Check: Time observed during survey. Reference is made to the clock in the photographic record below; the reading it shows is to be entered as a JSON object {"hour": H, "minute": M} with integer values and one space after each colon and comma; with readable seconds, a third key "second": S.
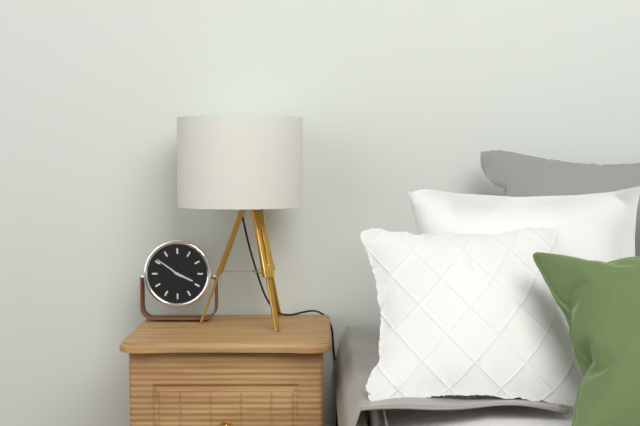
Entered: {"hour": 3, "minute": 51}
